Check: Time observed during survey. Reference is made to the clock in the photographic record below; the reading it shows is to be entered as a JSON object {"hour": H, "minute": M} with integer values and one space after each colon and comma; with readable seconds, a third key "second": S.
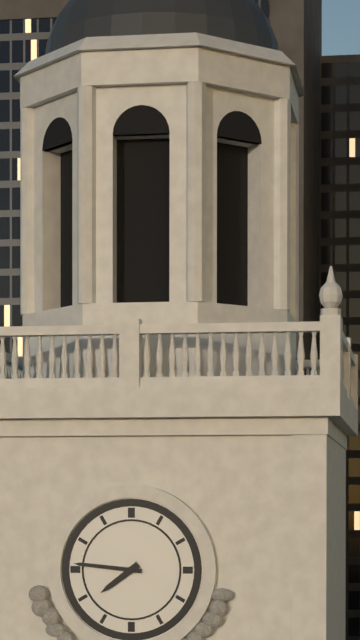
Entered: {"hour": 7, "minute": 46}
